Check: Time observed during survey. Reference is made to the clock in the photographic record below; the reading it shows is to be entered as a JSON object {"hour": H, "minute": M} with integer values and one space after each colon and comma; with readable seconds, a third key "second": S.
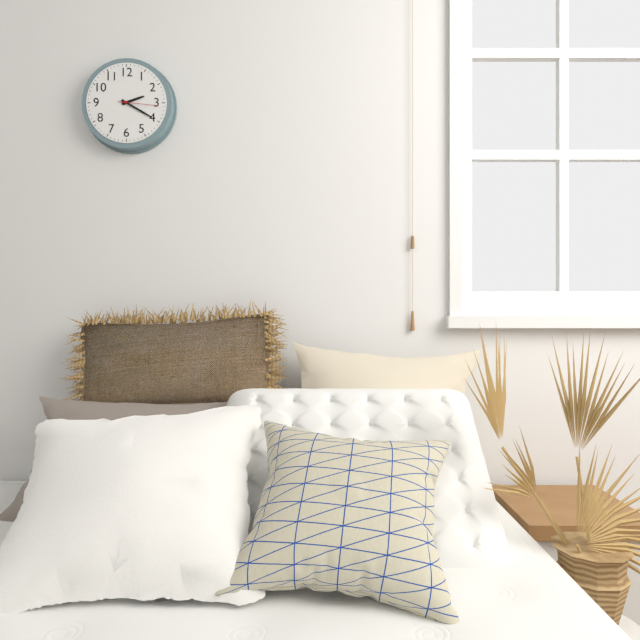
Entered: {"hour": 2, "minute": 20}
